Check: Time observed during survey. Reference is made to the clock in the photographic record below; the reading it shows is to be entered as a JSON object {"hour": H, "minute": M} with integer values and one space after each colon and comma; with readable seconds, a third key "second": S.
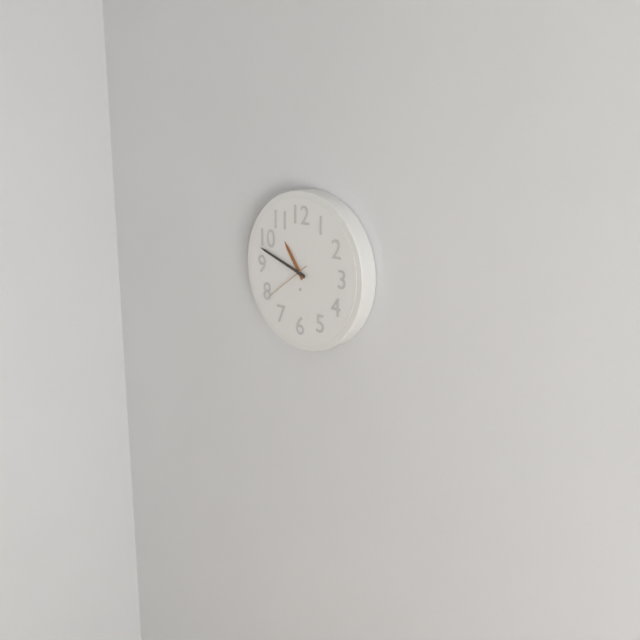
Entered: {"hour": 10, "minute": 48}
